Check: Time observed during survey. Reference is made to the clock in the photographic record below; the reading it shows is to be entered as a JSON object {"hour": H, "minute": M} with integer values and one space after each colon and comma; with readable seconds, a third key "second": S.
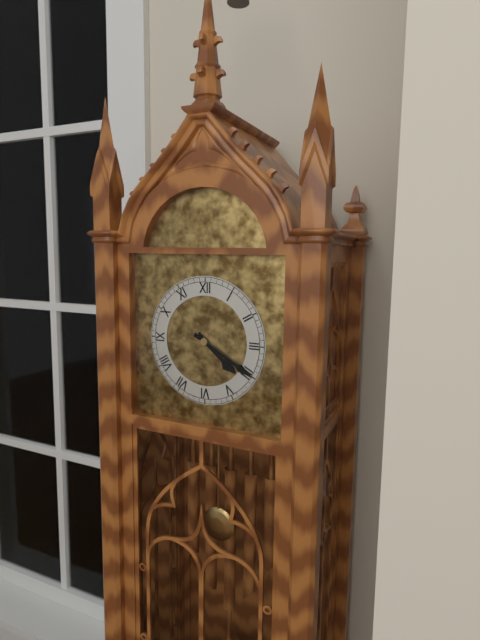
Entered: {"hour": 4, "minute": 20}
